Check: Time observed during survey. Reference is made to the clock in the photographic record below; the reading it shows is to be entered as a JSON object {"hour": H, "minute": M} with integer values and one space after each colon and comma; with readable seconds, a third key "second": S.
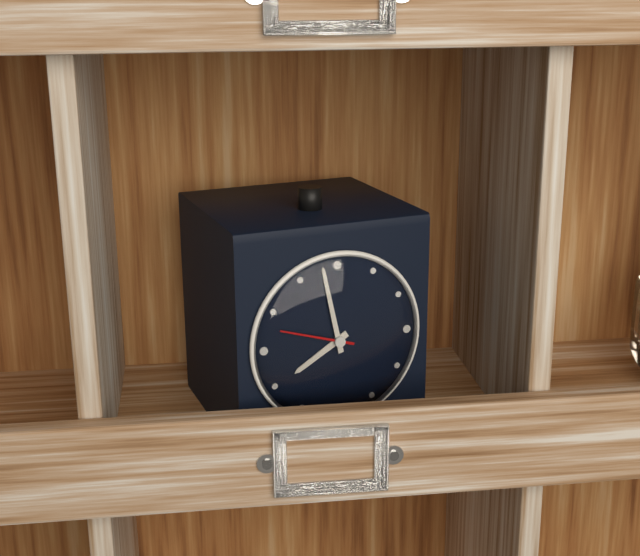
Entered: {"hour": 7, "minute": 58, "second": 48}
